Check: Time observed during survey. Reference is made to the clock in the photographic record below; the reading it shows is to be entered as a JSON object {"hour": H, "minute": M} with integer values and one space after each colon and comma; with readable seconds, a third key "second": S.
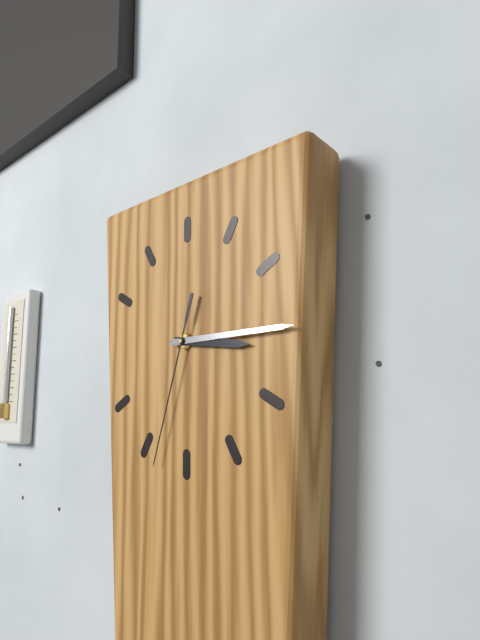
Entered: {"hour": 3, "minute": 15, "second": 33}
